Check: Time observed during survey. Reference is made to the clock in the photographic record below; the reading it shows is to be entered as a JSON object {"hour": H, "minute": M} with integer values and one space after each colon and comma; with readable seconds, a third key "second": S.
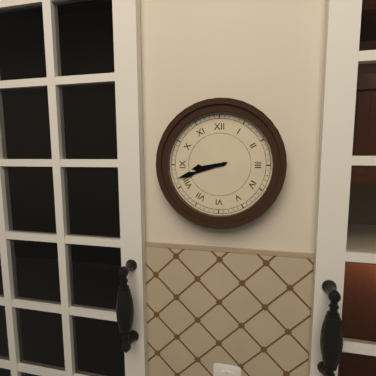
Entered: {"hour": 8, "minute": 42}
